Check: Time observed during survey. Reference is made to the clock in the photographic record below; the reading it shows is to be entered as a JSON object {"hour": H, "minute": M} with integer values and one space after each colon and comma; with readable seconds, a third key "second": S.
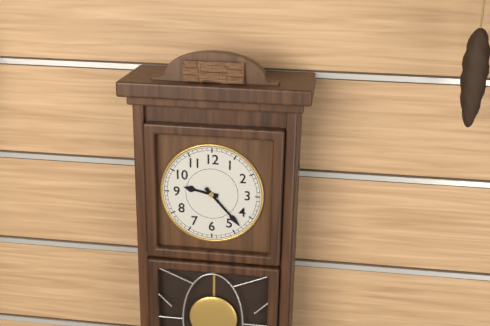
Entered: {"hour": 9, "minute": 23}
